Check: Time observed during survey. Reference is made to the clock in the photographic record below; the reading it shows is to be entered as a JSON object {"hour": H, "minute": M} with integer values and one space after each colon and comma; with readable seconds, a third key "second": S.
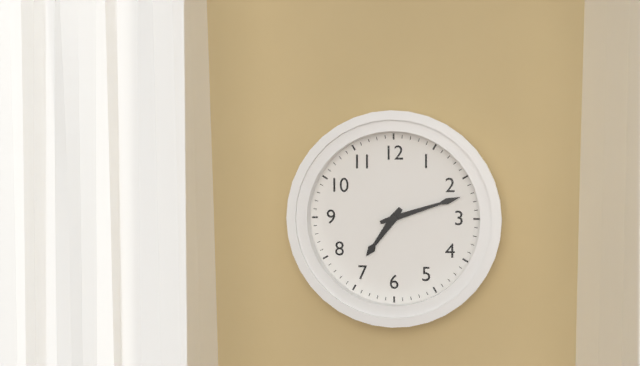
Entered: {"hour": 7, "minute": 12}
